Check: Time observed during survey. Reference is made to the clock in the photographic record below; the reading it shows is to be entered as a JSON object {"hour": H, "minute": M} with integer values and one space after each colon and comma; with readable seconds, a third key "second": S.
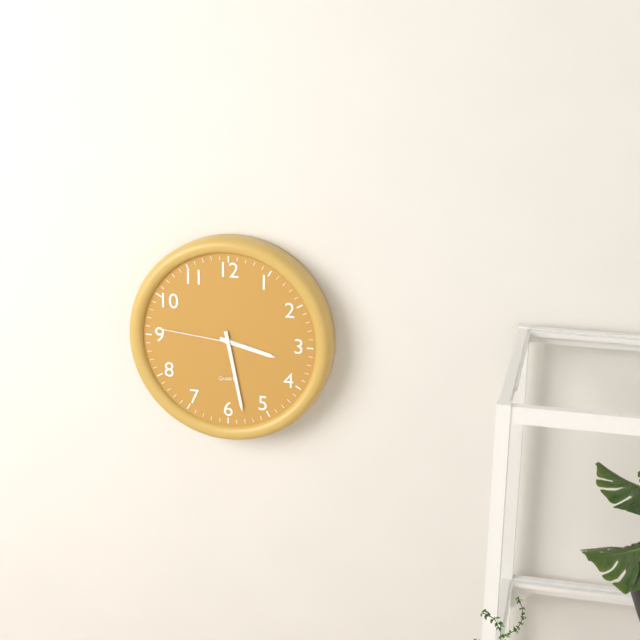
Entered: {"hour": 3, "minute": 28, "second": 46}
